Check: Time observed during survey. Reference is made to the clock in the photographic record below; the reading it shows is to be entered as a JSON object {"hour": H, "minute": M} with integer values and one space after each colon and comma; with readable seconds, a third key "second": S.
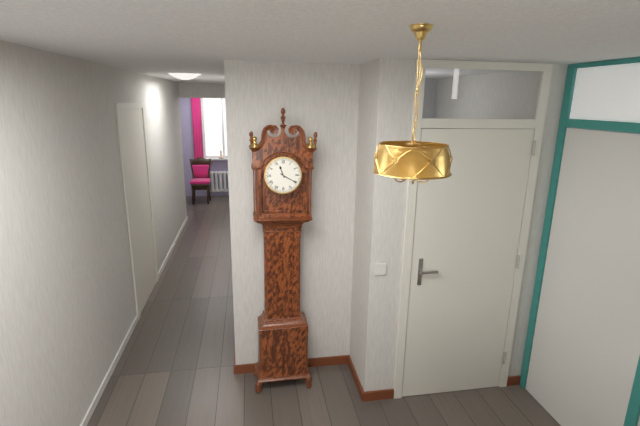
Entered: {"hour": 11, "minute": 20}
